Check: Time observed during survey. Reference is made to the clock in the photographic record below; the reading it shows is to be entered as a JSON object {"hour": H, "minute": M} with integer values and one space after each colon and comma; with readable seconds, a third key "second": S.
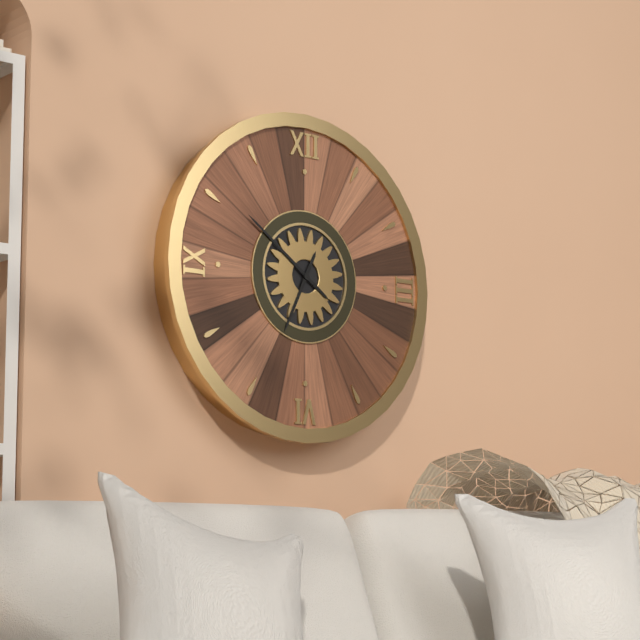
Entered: {"hour": 6, "minute": 51}
